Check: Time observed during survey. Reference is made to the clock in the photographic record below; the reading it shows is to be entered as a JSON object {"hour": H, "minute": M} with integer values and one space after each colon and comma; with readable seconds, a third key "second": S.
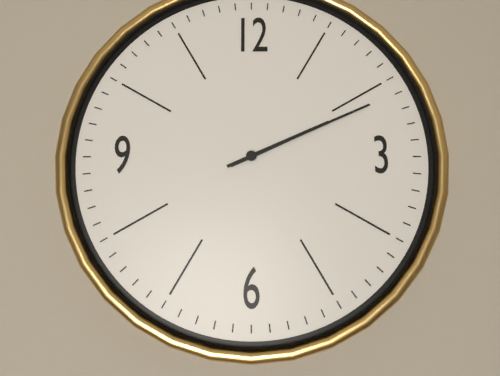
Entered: {"hour": 2, "minute": 11}
